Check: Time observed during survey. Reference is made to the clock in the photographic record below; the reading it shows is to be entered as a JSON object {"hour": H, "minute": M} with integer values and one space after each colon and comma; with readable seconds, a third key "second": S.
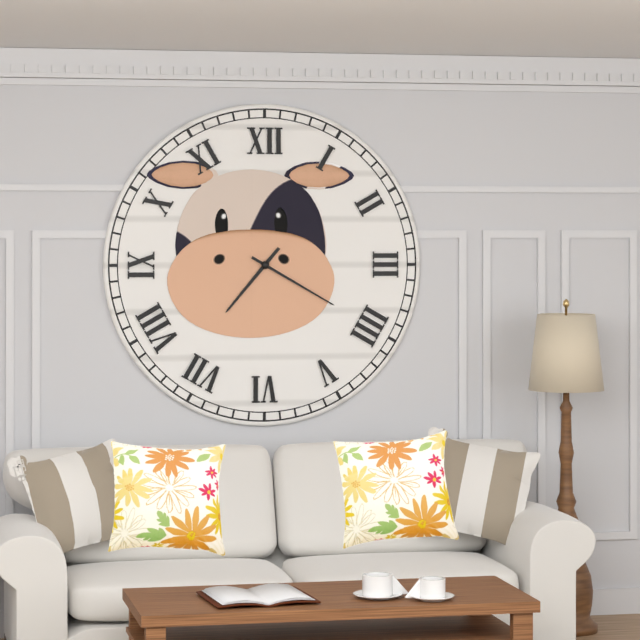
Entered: {"hour": 7, "minute": 20}
